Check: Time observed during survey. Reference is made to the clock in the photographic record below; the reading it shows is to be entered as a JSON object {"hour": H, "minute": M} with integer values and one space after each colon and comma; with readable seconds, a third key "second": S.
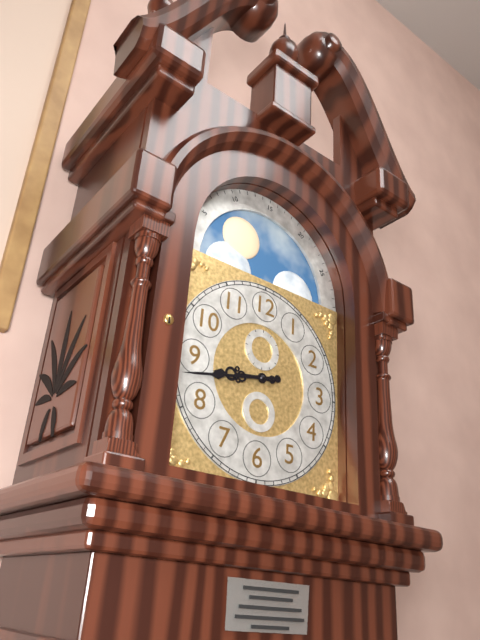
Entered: {"hour": 8, "minute": 43}
